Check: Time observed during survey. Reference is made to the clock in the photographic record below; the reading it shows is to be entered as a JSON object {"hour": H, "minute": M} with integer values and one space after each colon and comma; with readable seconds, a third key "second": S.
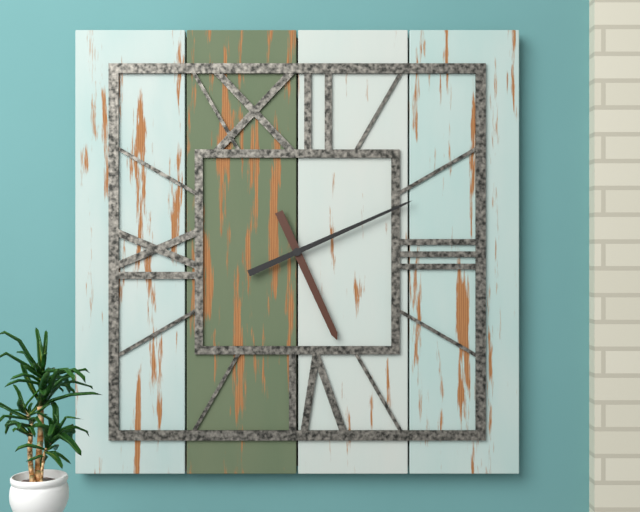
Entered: {"hour": 5, "minute": 11}
